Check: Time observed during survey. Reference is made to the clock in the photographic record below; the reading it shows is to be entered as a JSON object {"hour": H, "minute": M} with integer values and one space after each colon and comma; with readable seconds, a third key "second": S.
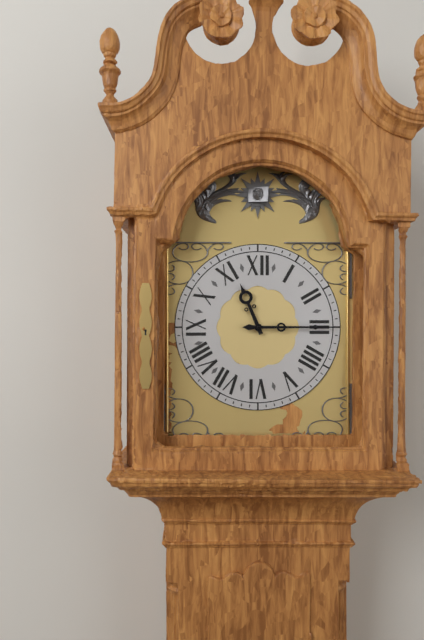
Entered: {"hour": 11, "minute": 15}
